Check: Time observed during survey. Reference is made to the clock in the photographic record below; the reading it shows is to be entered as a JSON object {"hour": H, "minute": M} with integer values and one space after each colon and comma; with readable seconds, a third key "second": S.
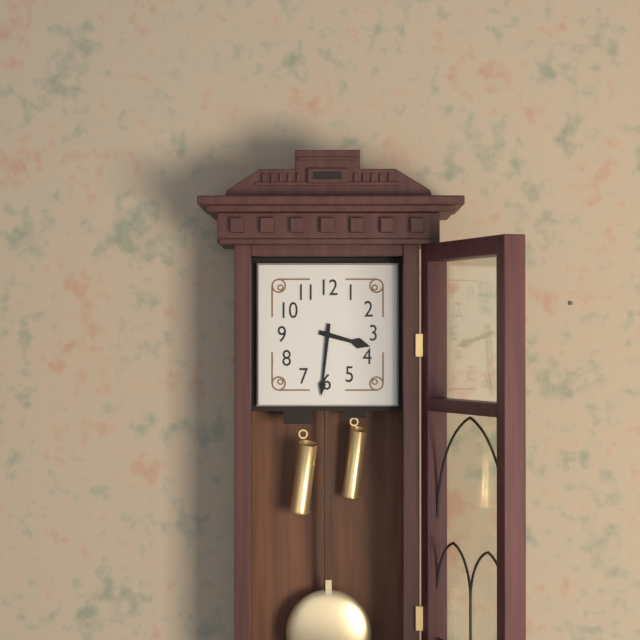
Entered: {"hour": 3, "minute": 31}
